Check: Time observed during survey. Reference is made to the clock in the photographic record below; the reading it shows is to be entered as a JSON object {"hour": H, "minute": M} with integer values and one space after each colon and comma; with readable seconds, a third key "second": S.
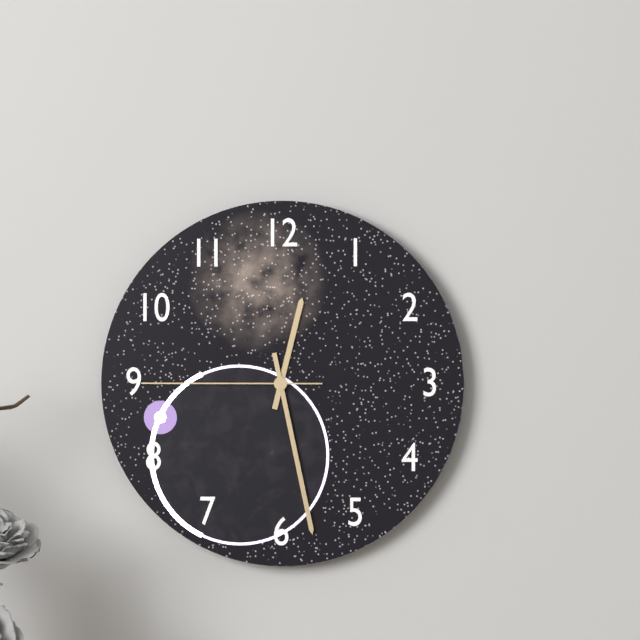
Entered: {"hour": 12, "minute": 28, "second": 45}
